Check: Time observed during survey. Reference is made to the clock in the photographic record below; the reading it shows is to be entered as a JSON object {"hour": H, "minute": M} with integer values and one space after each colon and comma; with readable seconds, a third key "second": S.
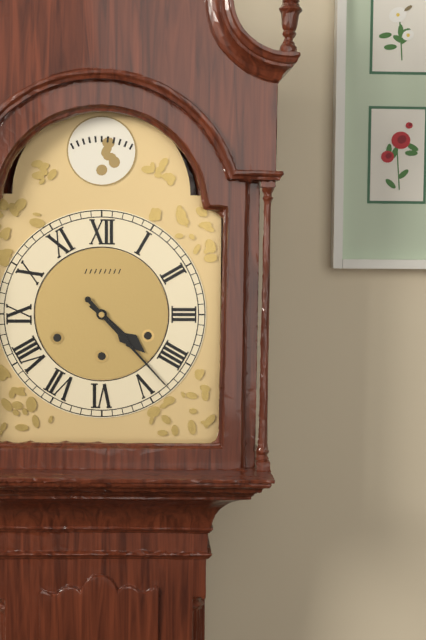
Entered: {"hour": 4, "minute": 23}
